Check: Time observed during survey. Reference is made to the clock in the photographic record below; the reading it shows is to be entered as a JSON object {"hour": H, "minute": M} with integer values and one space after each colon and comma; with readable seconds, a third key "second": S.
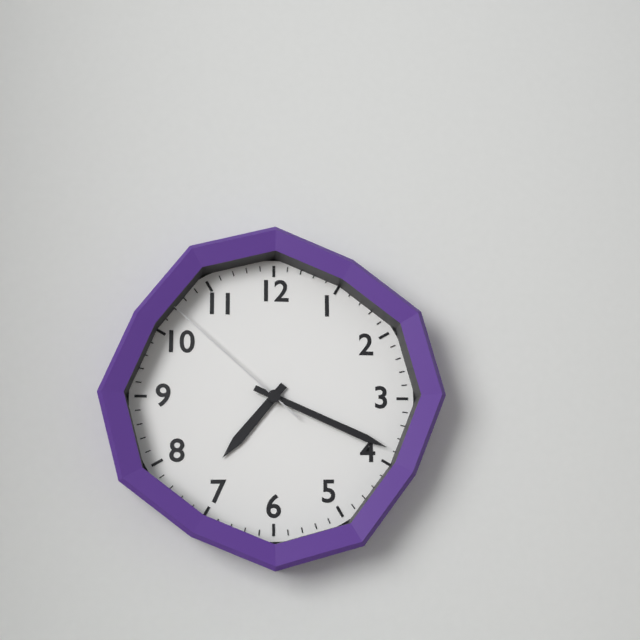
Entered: {"hour": 7, "minute": 19, "second": 52}
